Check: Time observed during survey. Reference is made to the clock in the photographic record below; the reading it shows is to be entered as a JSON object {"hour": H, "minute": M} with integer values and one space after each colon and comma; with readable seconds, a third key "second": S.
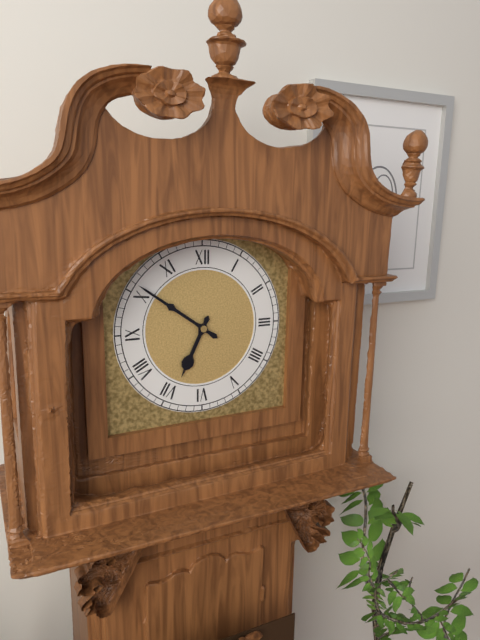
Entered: {"hour": 6, "minute": 51}
